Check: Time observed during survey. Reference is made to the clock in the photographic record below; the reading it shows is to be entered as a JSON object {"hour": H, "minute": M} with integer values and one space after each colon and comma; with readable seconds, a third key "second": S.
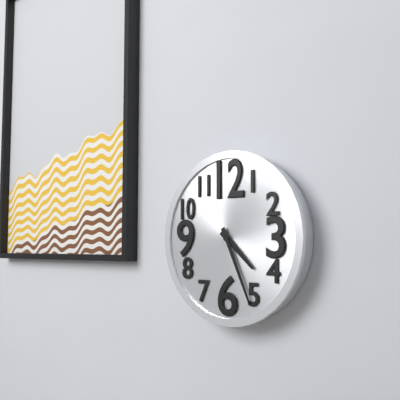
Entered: {"hour": 4, "minute": 26}
